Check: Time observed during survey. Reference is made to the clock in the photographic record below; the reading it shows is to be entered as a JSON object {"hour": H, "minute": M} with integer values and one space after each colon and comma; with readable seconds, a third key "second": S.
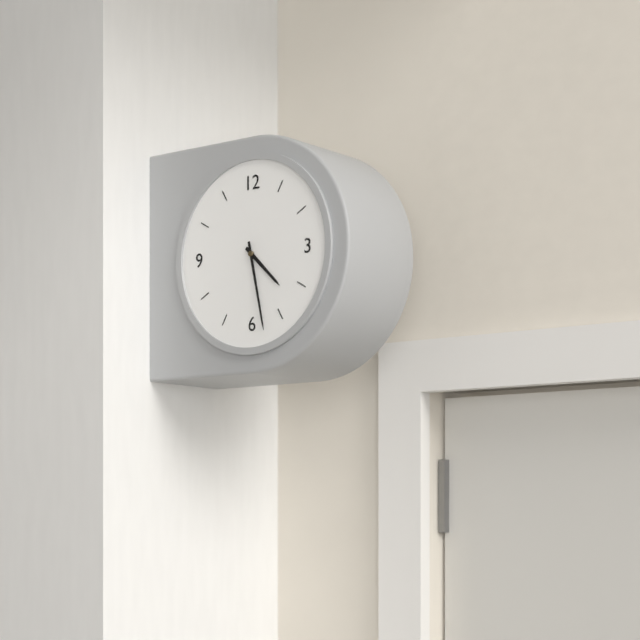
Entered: {"hour": 4, "minute": 28}
